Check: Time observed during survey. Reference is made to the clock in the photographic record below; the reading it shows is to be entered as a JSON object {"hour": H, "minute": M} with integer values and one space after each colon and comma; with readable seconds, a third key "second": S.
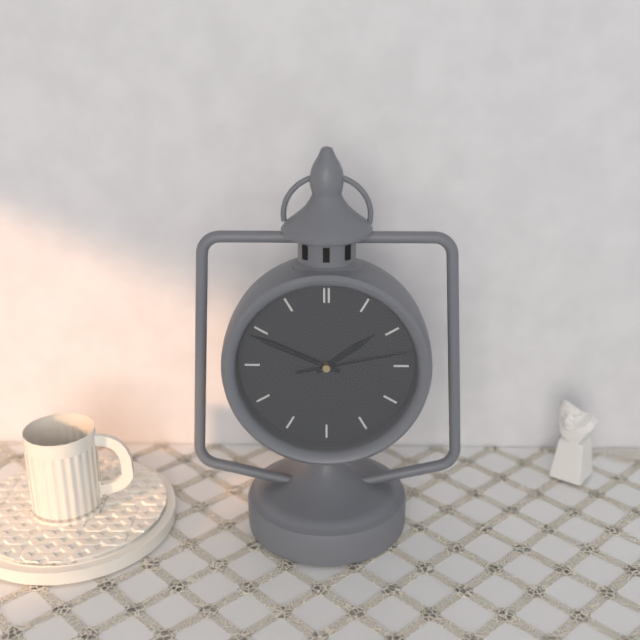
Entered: {"hour": 1, "minute": 49, "second": 13}
